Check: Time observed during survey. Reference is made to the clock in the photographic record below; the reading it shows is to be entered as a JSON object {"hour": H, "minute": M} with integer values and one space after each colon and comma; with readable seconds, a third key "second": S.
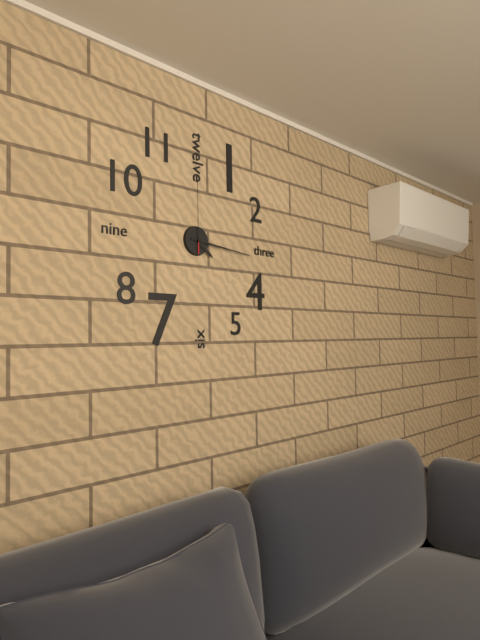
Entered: {"hour": 4, "minute": 16, "second": 0}
